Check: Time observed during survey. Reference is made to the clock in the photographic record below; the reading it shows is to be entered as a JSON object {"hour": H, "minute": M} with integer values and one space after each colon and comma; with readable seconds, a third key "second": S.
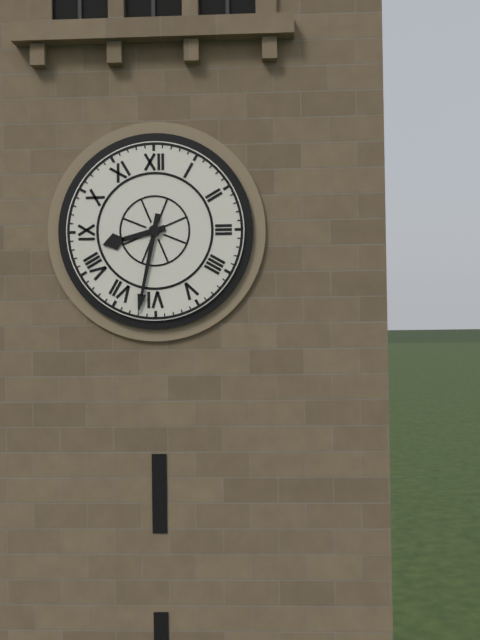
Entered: {"hour": 8, "minute": 32}
